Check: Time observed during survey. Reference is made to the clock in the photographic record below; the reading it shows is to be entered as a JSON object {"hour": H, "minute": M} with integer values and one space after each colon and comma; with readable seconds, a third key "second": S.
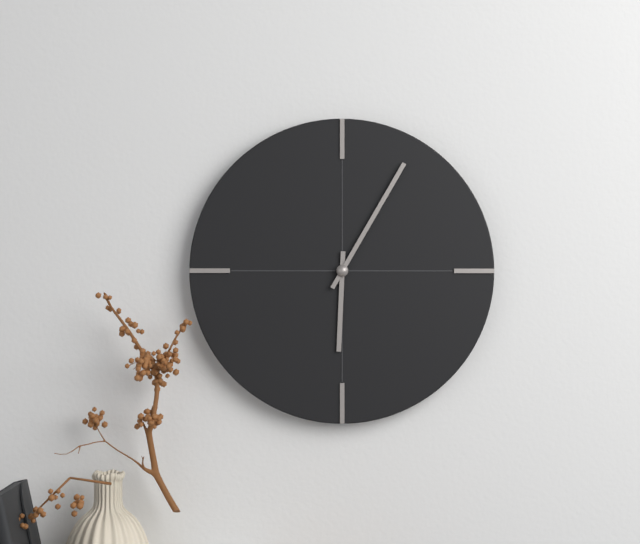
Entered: {"hour": 6, "minute": 5}
